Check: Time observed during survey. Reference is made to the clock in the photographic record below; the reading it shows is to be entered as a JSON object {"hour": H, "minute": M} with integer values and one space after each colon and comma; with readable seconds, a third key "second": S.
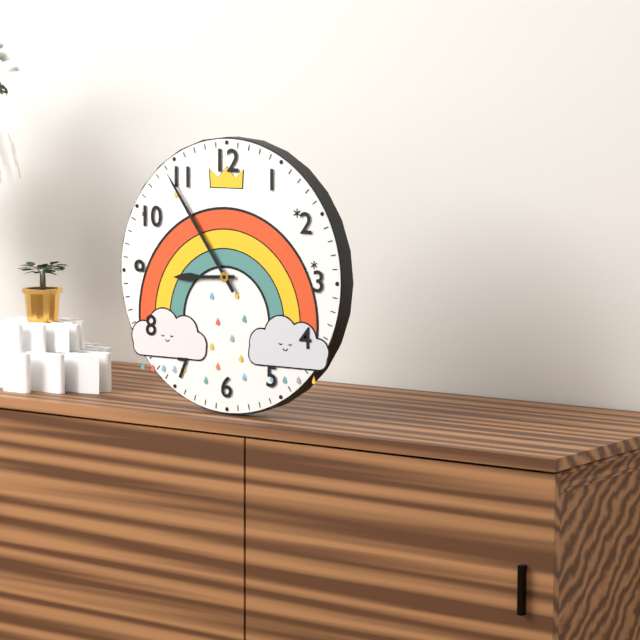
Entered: {"hour": 8, "minute": 54}
